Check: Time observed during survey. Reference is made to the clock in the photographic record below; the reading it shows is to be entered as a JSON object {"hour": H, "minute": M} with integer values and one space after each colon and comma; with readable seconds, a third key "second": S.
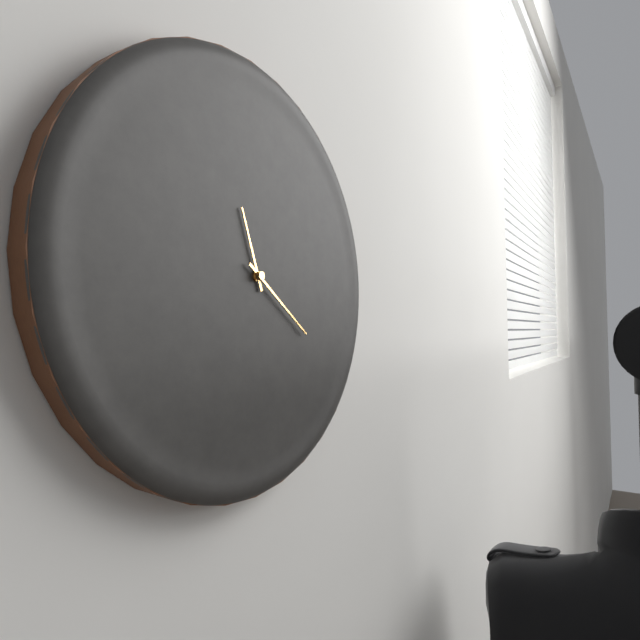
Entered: {"hour": 11, "minute": 21}
